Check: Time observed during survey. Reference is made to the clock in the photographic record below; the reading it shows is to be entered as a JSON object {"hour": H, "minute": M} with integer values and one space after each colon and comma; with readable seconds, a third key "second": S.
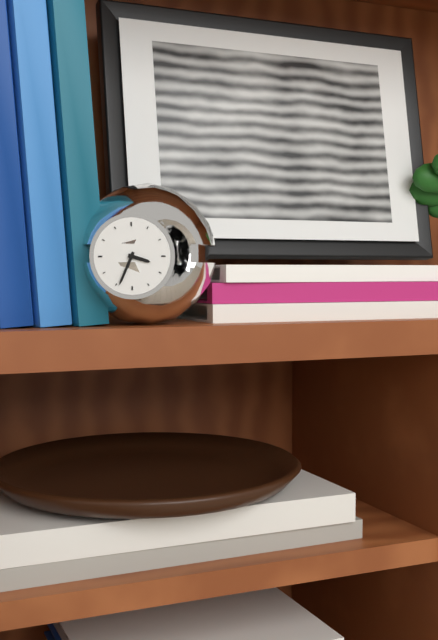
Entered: {"hour": 3, "minute": 34}
